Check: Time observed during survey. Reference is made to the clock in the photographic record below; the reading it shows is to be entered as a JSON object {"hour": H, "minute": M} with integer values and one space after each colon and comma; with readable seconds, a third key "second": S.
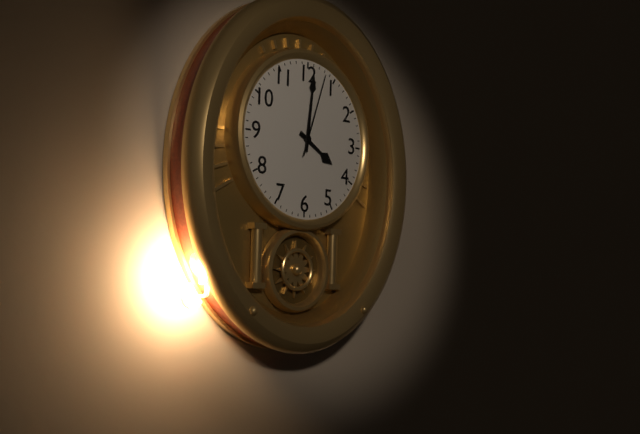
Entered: {"hour": 4, "minute": 1, "second": 3}
